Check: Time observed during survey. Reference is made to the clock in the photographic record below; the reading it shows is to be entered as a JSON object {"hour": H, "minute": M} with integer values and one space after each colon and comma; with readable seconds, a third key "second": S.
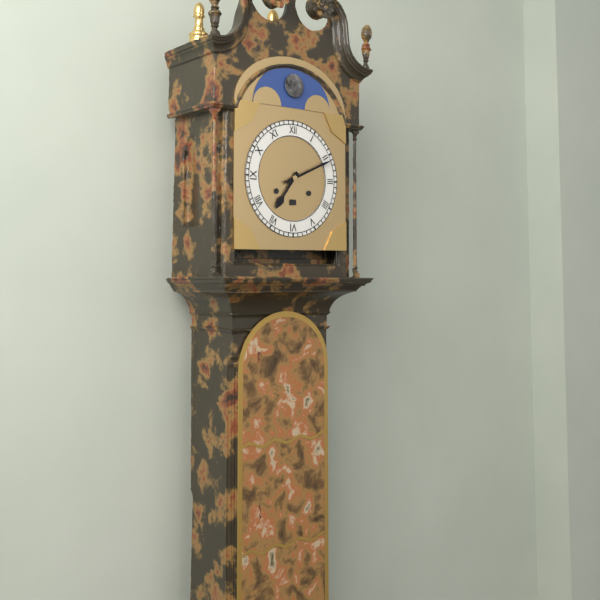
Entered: {"hour": 7, "minute": 11}
